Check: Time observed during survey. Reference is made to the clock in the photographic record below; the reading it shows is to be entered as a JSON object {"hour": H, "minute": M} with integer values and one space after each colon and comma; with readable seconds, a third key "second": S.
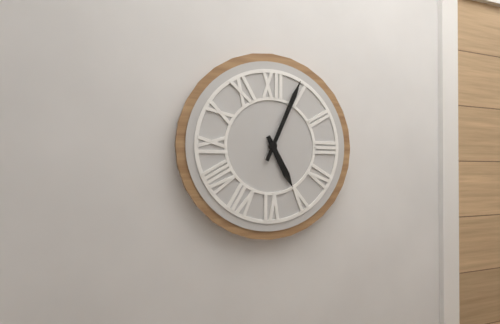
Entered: {"hour": 5, "minute": 4}
